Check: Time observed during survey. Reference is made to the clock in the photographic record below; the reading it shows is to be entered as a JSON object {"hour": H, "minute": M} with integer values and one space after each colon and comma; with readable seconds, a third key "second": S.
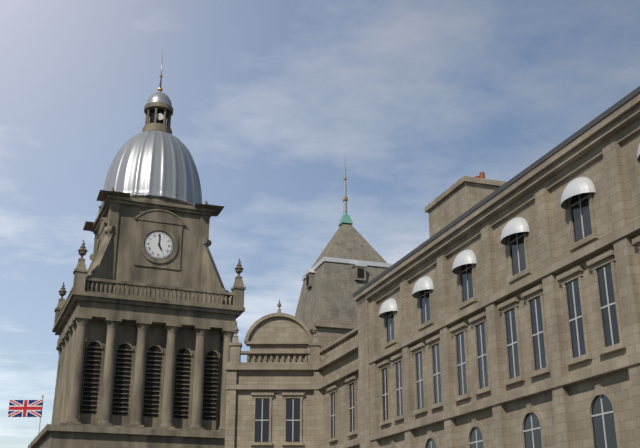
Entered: {"hour": 5, "minute": 0}
